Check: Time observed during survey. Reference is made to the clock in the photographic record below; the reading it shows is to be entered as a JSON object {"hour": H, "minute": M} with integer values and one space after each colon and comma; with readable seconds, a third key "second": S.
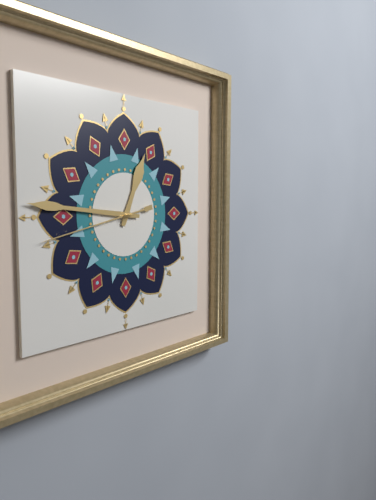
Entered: {"hour": 12, "minute": 46, "second": 43}
